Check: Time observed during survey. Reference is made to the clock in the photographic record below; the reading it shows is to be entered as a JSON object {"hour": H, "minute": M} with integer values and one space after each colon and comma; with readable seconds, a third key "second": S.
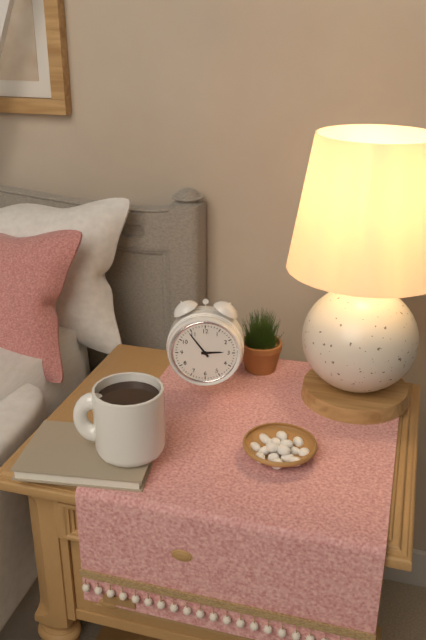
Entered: {"hour": 2, "minute": 54}
